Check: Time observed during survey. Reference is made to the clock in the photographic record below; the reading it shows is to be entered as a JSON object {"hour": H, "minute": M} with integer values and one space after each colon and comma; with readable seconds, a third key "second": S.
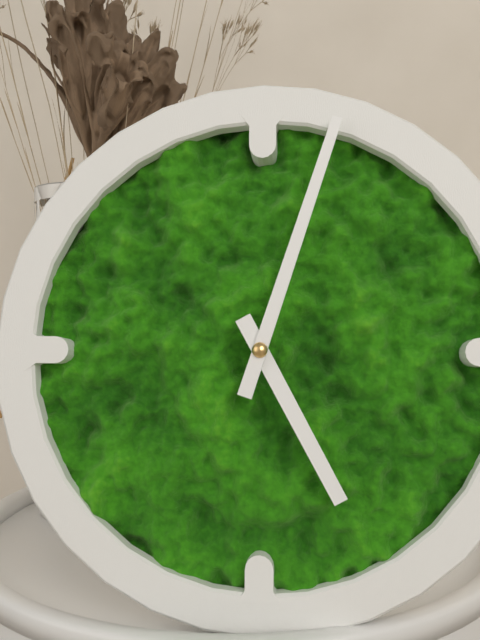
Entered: {"hour": 5, "minute": 3}
